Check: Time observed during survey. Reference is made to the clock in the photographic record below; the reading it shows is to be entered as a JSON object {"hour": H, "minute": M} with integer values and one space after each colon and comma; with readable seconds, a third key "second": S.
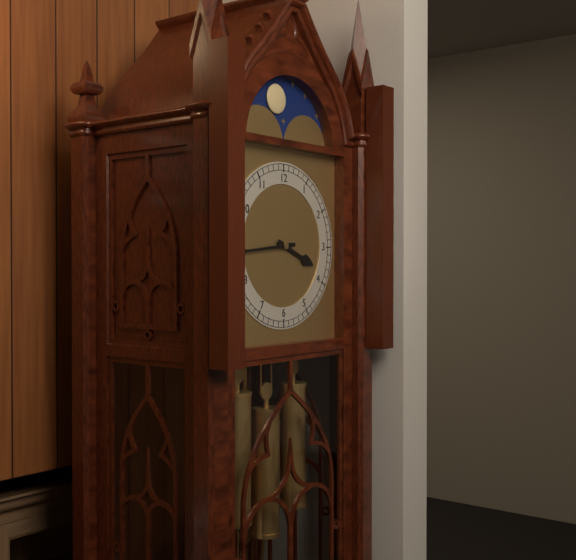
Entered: {"hour": 3, "minute": 44}
